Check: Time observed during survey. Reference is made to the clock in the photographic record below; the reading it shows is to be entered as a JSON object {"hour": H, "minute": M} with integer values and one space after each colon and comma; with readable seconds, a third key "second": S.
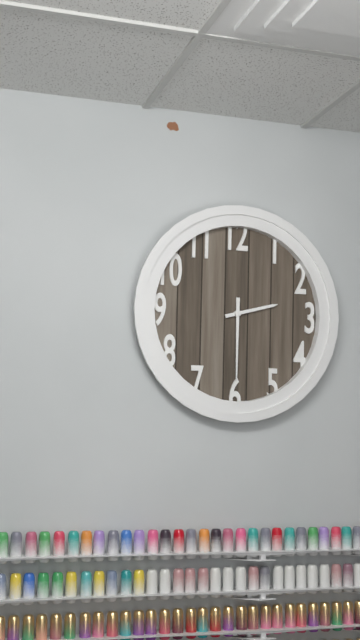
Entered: {"hour": 2, "minute": 30}
